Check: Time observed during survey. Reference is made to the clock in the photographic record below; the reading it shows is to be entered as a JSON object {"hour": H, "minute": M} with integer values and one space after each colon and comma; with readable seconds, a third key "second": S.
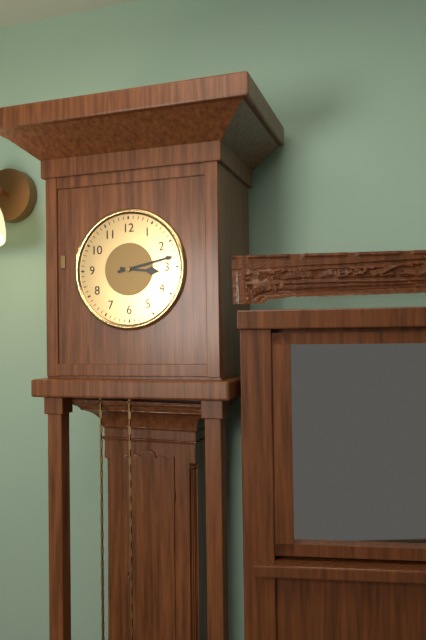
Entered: {"hour": 3, "minute": 13}
